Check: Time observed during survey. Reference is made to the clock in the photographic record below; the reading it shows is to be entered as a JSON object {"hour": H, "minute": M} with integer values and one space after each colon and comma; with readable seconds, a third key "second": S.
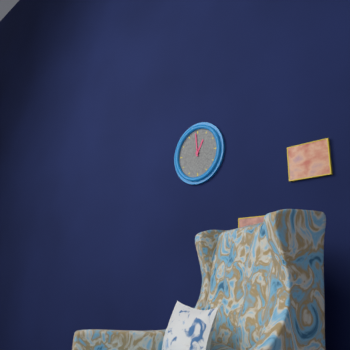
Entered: {"hour": 12, "minute": 59}
